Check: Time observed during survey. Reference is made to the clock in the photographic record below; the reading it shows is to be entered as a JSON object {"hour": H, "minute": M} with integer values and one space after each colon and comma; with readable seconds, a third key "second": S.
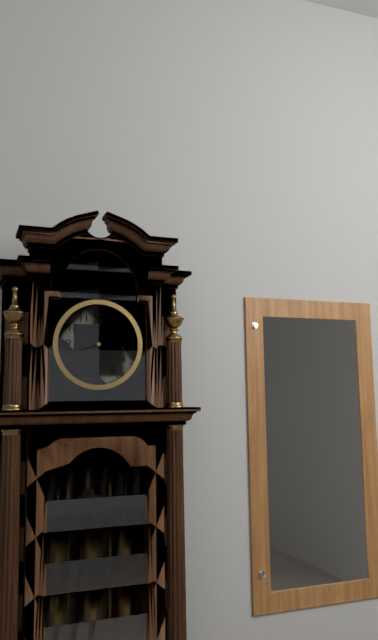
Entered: {"hour": 11, "minute": 42}
